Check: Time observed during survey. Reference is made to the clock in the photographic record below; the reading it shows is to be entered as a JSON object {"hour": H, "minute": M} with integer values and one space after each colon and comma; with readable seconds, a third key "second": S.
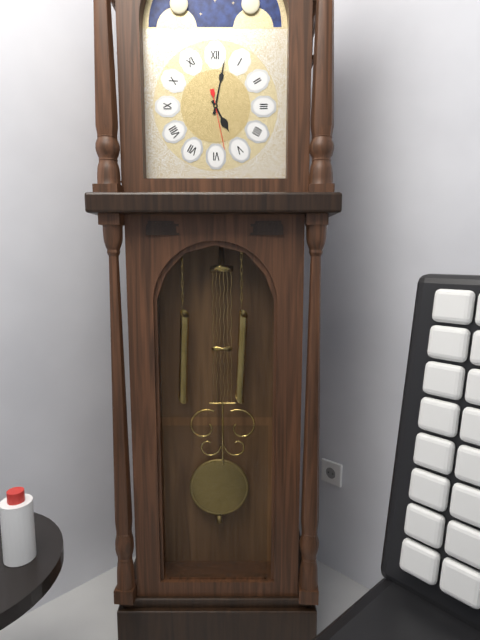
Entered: {"hour": 5, "minute": 2, "second": 28}
